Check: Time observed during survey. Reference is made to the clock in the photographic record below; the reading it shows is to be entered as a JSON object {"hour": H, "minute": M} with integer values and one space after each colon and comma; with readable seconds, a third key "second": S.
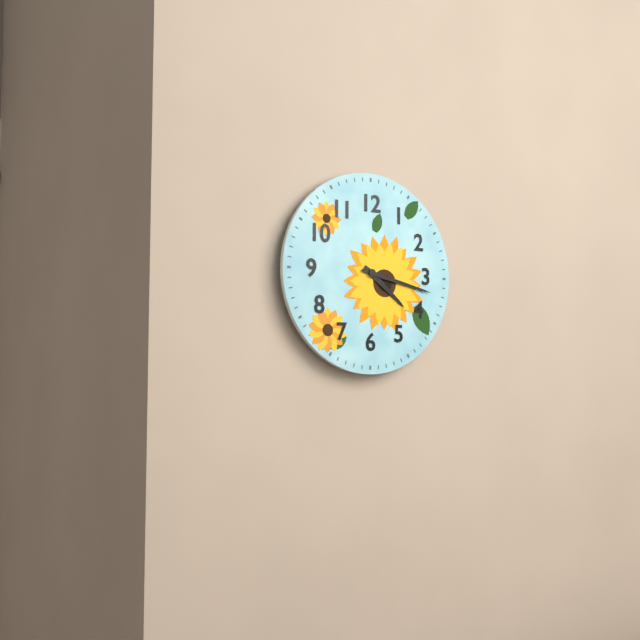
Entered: {"hour": 4, "minute": 17}
